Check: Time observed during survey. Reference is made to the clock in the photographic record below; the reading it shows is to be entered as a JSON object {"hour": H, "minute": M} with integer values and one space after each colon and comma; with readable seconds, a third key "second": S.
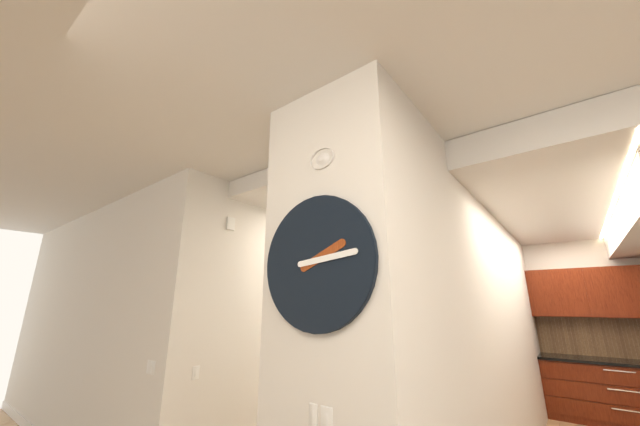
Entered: {"hour": 2, "minute": 14}
